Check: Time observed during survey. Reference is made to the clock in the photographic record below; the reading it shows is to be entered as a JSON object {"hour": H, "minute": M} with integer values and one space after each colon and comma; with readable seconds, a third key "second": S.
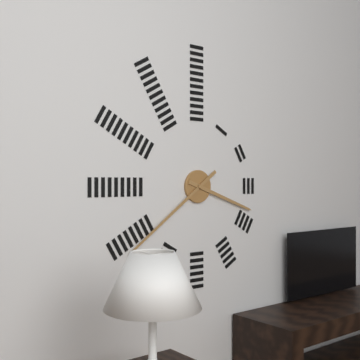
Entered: {"hour": 3, "minute": 39}
